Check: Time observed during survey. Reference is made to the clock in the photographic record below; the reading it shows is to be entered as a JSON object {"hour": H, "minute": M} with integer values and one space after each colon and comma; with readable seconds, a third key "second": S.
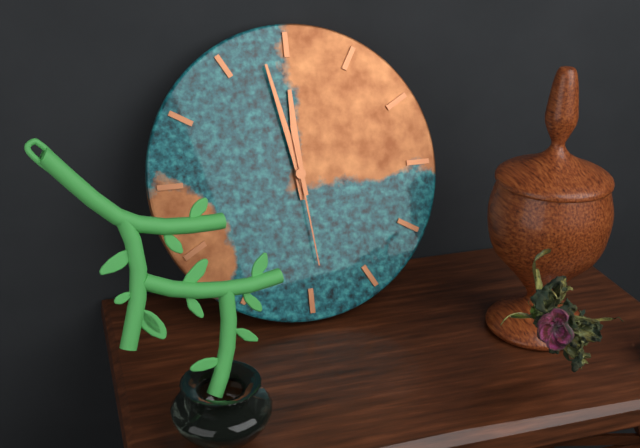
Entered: {"hour": 11, "minute": 58, "second": 29}
